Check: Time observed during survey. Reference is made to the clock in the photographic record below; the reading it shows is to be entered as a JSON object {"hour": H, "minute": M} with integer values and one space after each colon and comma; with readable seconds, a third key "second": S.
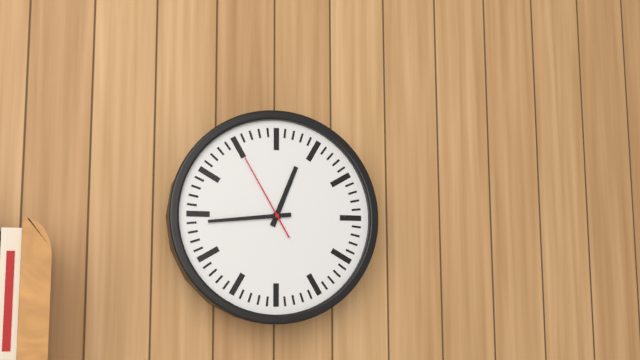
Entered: {"hour": 12, "minute": 44, "second": 55}
